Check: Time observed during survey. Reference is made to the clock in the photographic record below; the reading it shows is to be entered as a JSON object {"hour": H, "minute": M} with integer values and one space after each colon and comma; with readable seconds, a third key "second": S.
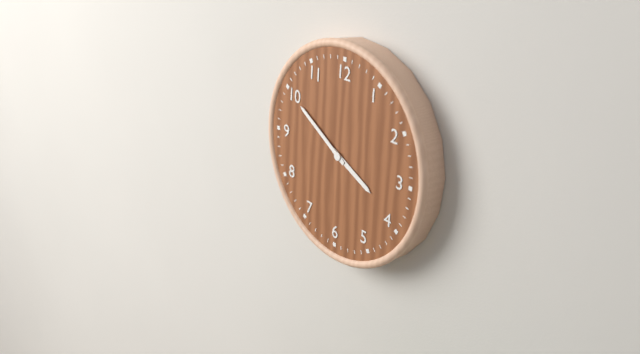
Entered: {"hour": 3, "minute": 50}
